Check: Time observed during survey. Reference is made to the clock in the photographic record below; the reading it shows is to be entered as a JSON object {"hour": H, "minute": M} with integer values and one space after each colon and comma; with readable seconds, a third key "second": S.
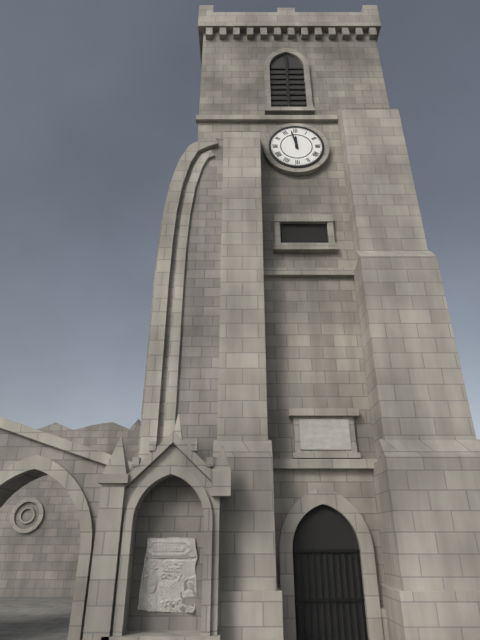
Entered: {"hour": 11, "minute": 58}
